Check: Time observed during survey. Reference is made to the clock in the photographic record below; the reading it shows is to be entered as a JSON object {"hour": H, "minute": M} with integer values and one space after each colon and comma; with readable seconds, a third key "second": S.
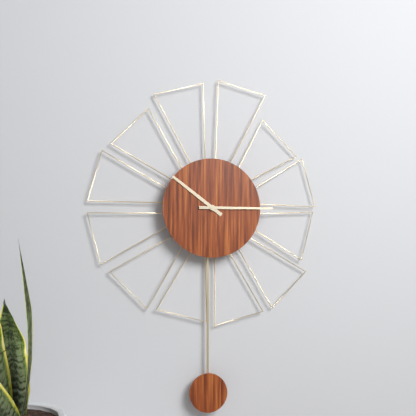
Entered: {"hour": 10, "minute": 15}
